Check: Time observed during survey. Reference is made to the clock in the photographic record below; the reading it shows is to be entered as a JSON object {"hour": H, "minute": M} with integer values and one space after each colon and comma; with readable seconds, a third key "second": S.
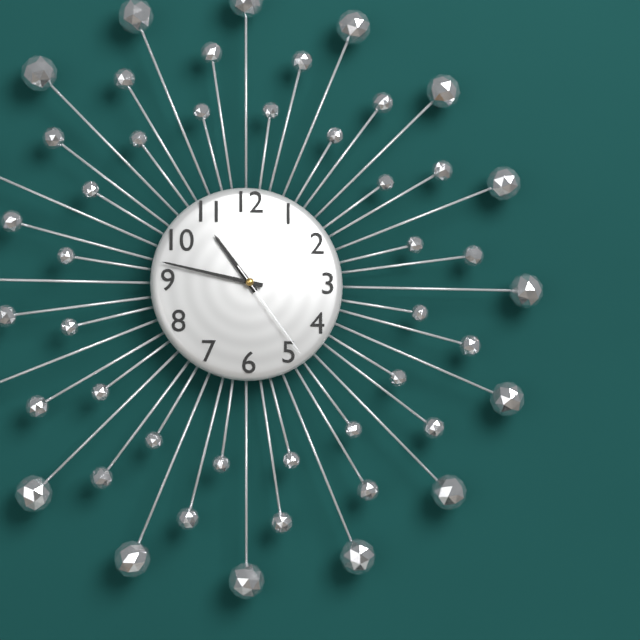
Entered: {"hour": 10, "minute": 47, "second": 24}
